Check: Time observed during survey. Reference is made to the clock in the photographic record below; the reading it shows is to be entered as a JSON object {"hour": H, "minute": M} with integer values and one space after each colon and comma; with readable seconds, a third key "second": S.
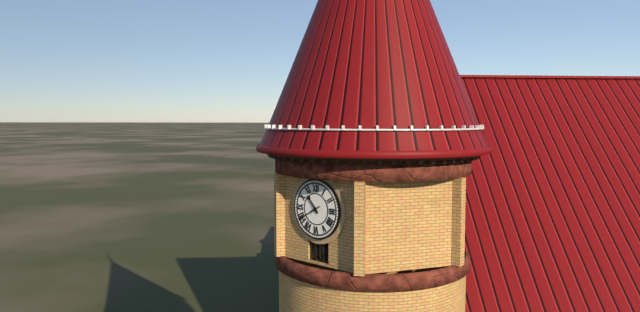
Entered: {"hour": 10, "minute": 40}
